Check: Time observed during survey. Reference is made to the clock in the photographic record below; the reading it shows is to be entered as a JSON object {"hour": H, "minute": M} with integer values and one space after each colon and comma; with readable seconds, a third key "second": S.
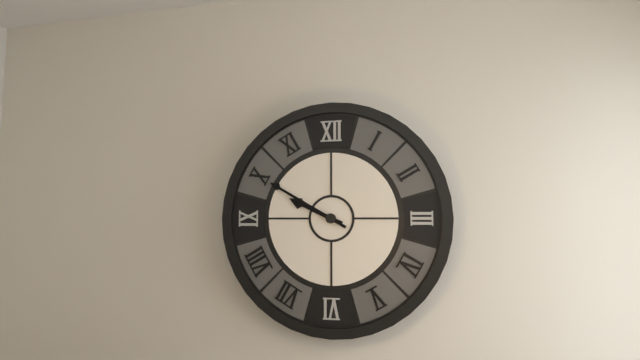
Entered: {"hour": 9, "minute": 50}
